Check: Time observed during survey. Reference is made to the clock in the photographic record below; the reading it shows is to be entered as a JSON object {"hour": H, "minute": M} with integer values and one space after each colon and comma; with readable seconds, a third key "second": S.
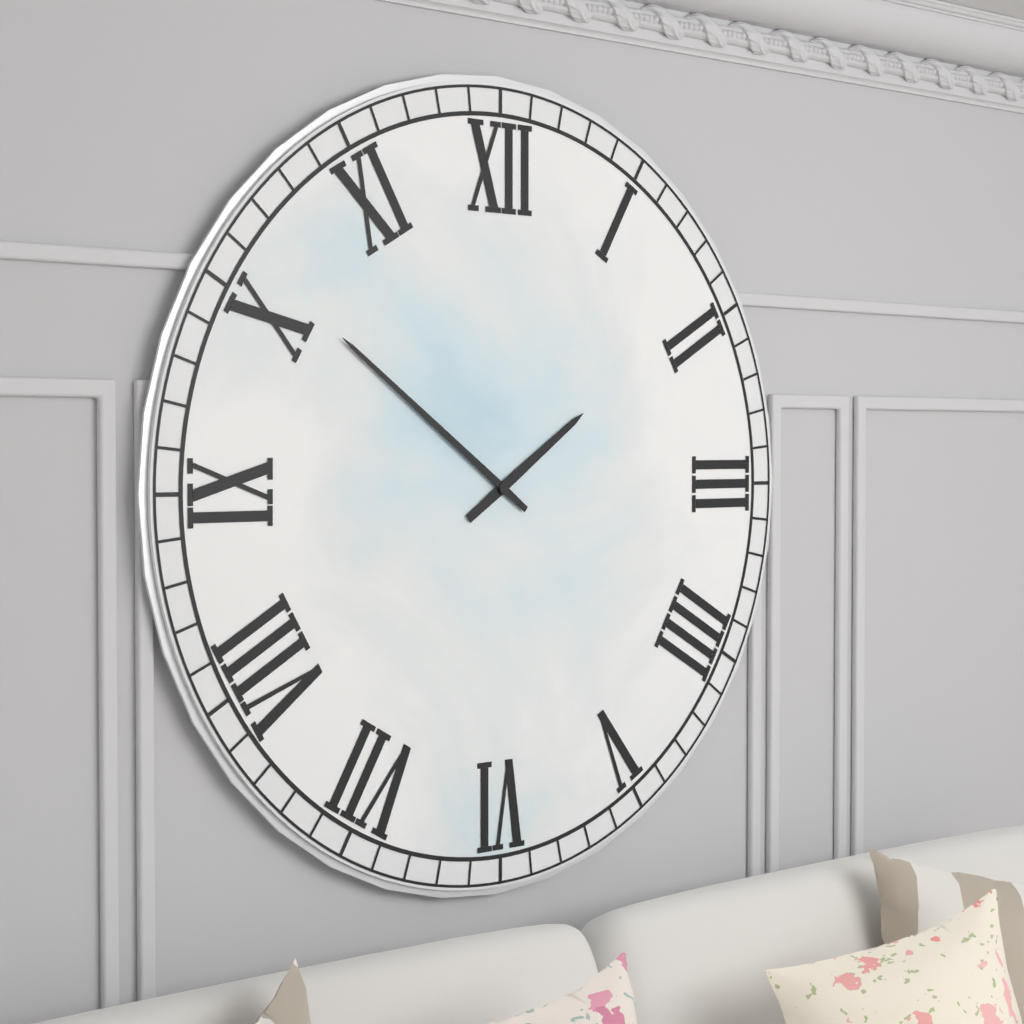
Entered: {"hour": 1, "minute": 51}
